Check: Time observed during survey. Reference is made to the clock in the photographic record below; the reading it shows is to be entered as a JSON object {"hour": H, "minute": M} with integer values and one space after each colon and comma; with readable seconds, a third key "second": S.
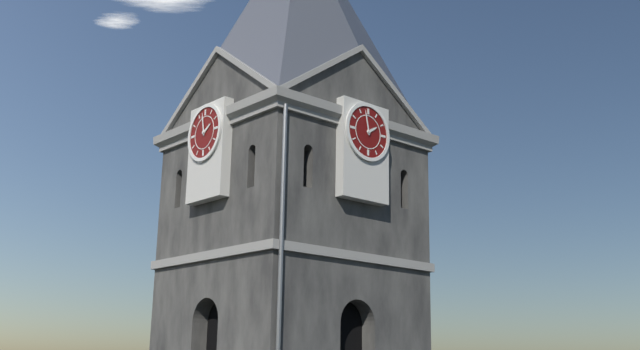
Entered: {"hour": 1, "minute": 58}
